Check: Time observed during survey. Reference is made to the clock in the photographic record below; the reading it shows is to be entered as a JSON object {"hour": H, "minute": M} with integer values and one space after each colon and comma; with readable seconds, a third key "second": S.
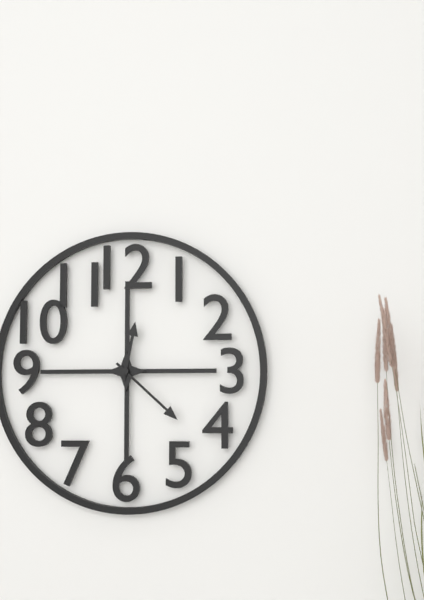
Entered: {"hour": 12, "minute": 22}
